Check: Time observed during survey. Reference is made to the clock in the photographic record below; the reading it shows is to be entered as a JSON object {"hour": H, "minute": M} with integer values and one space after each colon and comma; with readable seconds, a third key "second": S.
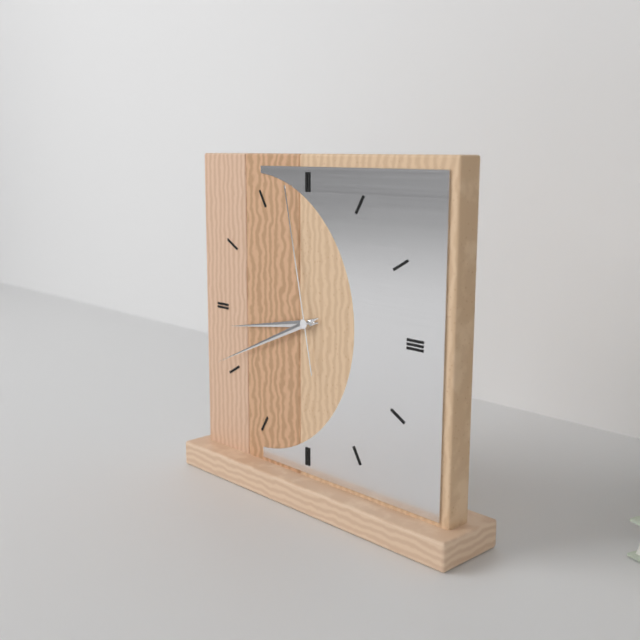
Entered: {"hour": 8, "minute": 41, "second": 58}
